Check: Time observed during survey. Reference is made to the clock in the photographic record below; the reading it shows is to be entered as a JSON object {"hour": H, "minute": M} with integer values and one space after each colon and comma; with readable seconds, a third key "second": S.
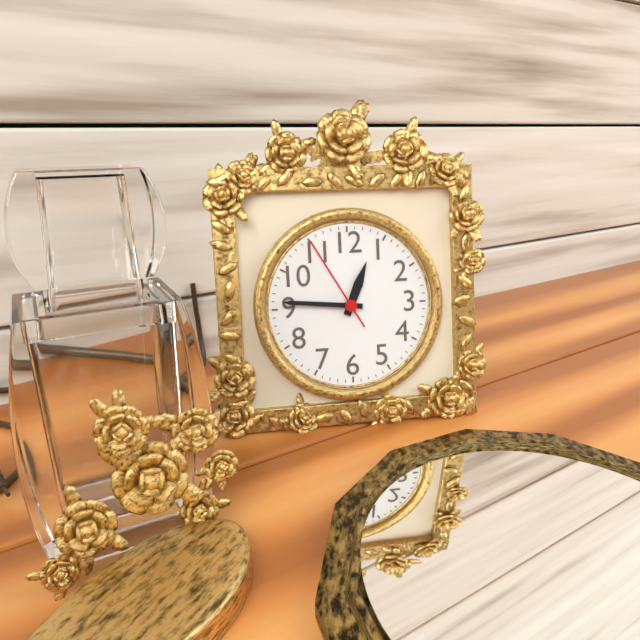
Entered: {"hour": 12, "minute": 46, "second": 55}
